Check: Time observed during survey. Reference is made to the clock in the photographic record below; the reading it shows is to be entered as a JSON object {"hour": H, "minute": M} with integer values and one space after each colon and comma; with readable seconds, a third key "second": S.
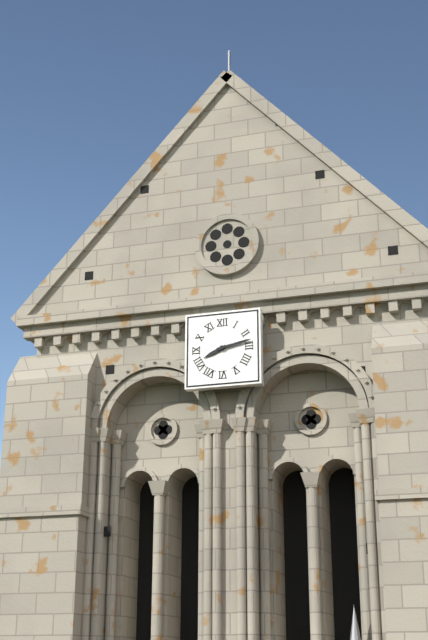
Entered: {"hour": 8, "minute": 13}
